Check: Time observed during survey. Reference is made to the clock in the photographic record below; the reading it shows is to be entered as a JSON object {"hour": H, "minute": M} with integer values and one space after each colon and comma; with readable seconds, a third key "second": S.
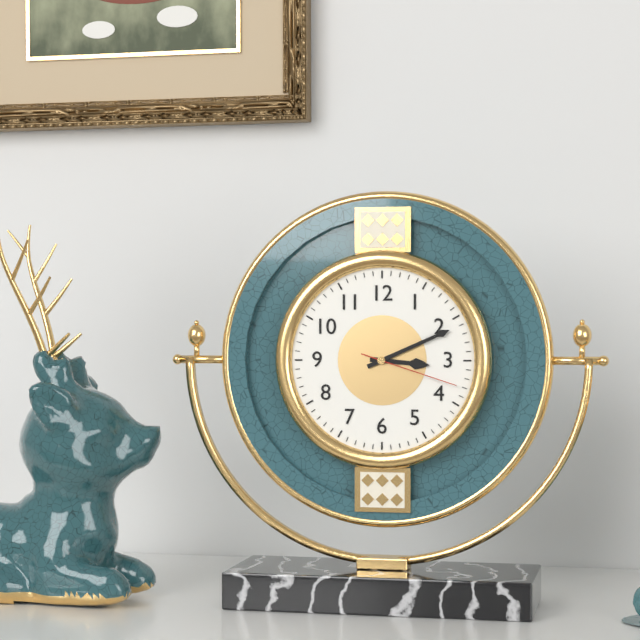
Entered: {"hour": 3, "minute": 11, "second": 18}
